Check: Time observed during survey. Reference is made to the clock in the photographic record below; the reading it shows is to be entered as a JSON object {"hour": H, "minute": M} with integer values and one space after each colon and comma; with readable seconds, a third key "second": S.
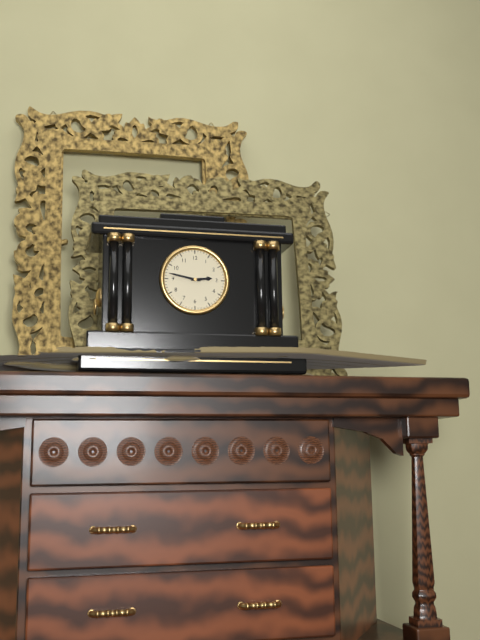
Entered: {"hour": 2, "minute": 47}
